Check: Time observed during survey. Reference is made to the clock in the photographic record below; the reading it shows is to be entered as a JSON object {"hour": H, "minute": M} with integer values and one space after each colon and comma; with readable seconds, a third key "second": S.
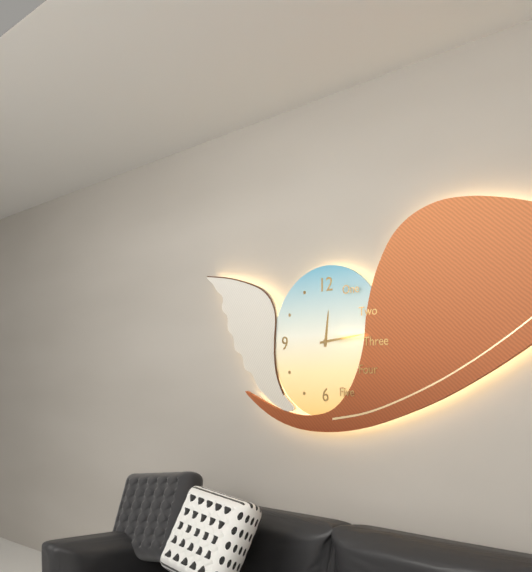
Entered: {"hour": 12, "minute": 14}
